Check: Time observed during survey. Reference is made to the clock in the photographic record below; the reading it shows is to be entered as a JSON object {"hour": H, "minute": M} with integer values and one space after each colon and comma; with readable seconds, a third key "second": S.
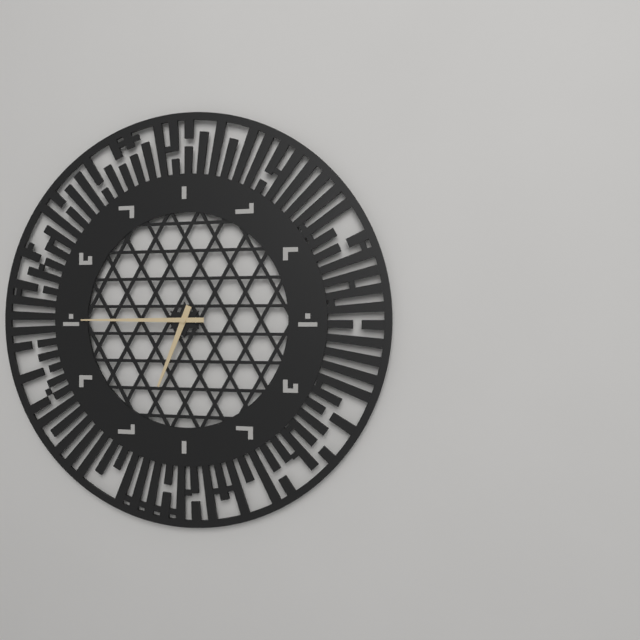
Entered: {"hour": 6, "minute": 45}
